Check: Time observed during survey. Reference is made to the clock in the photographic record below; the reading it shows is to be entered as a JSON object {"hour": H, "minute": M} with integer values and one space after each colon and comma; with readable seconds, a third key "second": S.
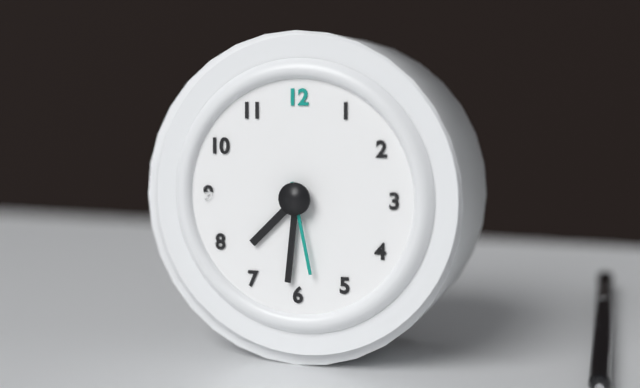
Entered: {"hour": 7, "minute": 31, "second": 28}
